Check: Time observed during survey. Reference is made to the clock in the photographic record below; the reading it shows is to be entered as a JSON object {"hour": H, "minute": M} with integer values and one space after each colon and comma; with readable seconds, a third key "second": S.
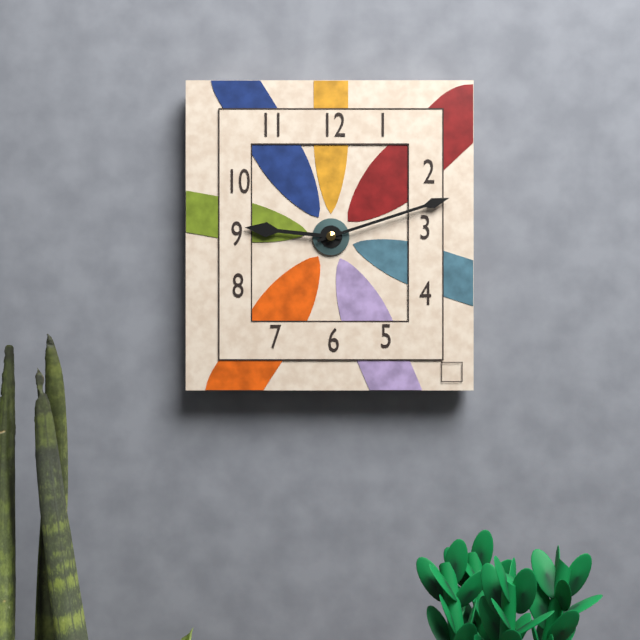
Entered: {"hour": 9, "minute": 12}
